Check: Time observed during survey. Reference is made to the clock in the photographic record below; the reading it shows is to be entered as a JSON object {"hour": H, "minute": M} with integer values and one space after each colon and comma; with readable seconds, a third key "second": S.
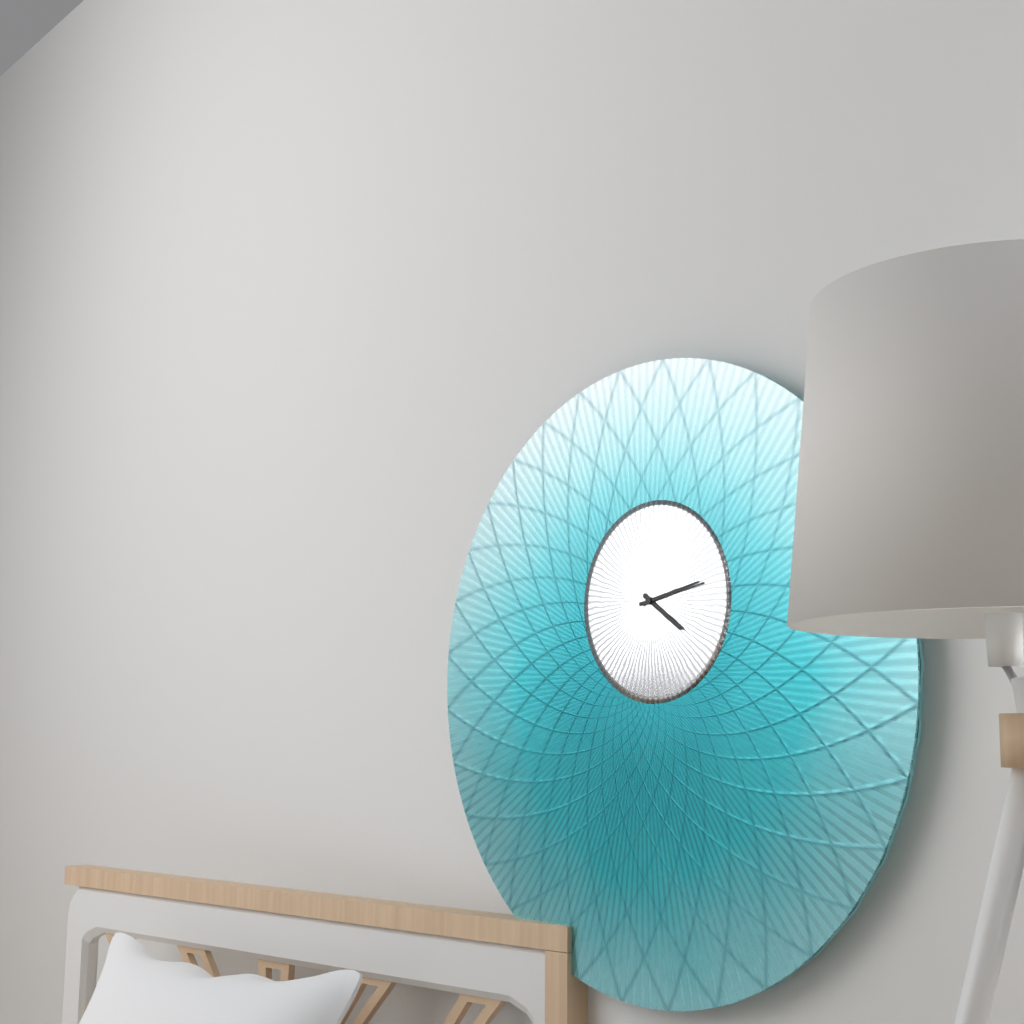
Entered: {"hour": 4, "minute": 13}
